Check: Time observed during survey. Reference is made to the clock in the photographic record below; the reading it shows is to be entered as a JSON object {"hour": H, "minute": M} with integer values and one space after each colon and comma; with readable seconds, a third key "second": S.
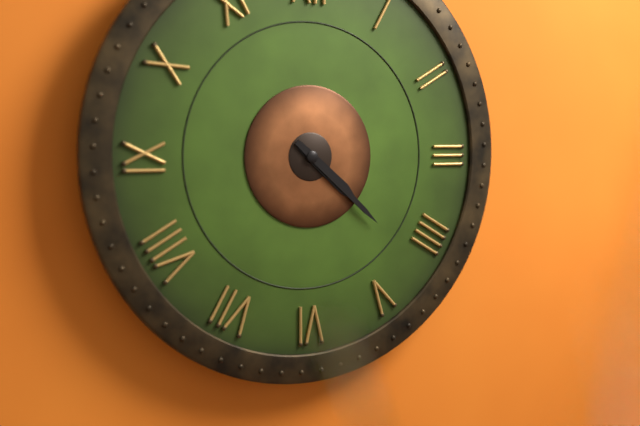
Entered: {"hour": 4, "minute": 22}
